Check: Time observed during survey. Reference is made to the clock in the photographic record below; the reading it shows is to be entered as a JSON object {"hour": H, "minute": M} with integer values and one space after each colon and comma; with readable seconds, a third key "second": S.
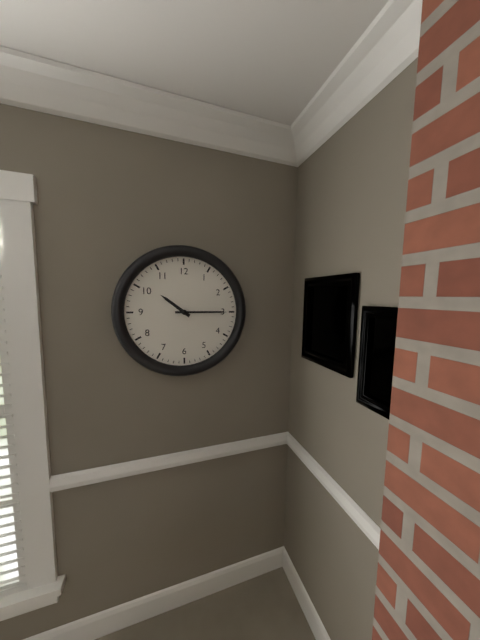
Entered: {"hour": 10, "minute": 15}
